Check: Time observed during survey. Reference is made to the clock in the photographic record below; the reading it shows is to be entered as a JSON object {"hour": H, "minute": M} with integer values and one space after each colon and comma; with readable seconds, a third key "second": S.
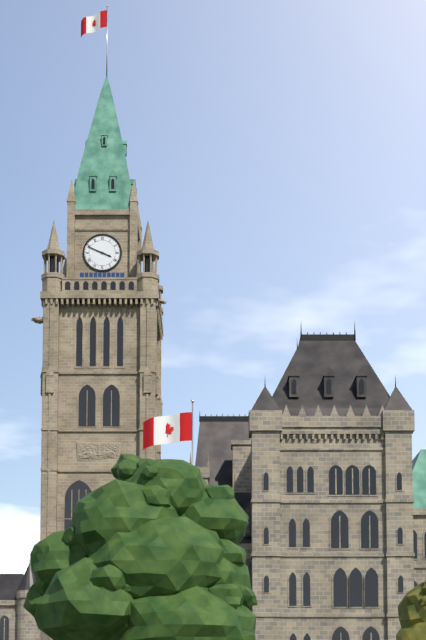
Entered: {"hour": 3, "minute": 49}
